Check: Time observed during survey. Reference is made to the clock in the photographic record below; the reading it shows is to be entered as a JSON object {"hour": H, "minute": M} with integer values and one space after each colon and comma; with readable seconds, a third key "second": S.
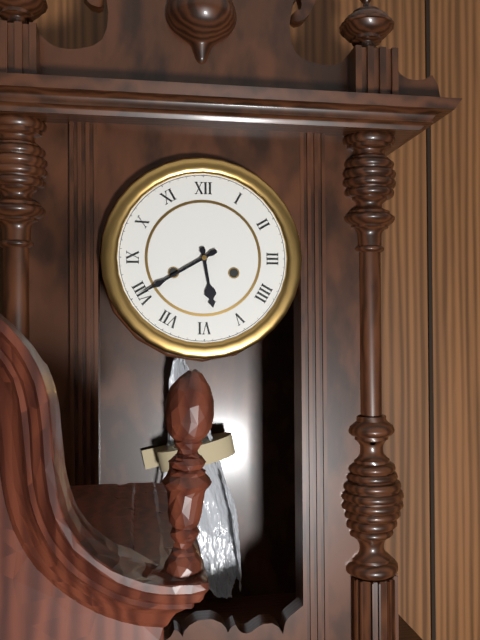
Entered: {"hour": 5, "minute": 40}
